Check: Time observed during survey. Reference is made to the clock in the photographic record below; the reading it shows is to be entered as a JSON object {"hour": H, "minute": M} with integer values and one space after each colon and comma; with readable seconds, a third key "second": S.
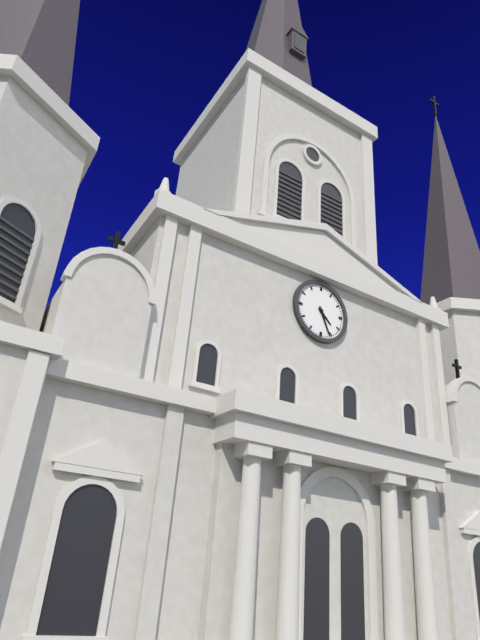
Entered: {"hour": 4, "minute": 26}
